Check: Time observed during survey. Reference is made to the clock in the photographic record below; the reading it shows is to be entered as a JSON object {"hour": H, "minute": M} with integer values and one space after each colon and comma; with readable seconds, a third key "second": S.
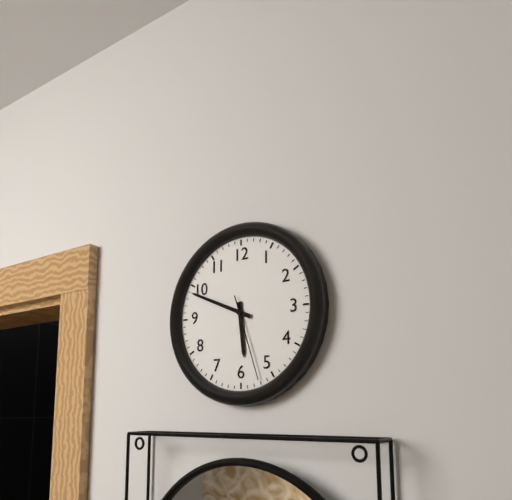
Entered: {"hour": 5, "minute": 49, "second": 27}
